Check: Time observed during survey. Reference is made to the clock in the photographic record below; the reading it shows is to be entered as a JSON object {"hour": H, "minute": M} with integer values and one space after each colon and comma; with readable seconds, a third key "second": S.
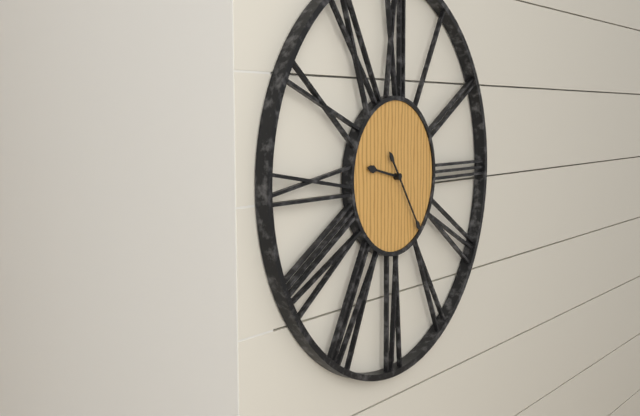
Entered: {"hour": 9, "minute": 24}
